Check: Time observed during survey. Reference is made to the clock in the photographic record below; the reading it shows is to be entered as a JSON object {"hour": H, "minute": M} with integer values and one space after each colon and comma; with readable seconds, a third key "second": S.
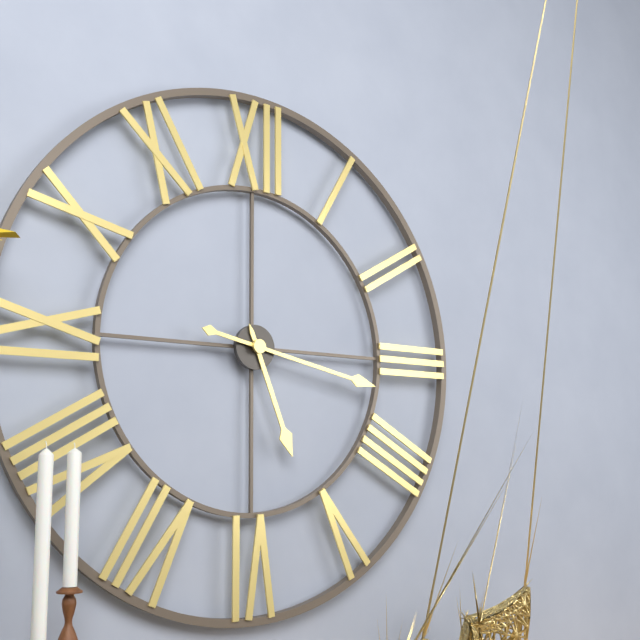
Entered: {"hour": 5, "minute": 17}
